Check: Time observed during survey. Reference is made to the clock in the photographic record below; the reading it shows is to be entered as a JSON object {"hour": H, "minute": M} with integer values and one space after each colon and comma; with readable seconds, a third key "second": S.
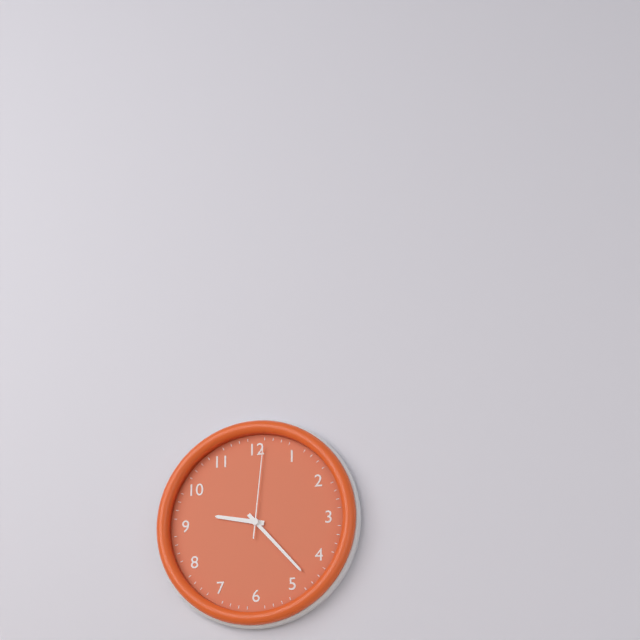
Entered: {"hour": 9, "minute": 23, "second": 1}
